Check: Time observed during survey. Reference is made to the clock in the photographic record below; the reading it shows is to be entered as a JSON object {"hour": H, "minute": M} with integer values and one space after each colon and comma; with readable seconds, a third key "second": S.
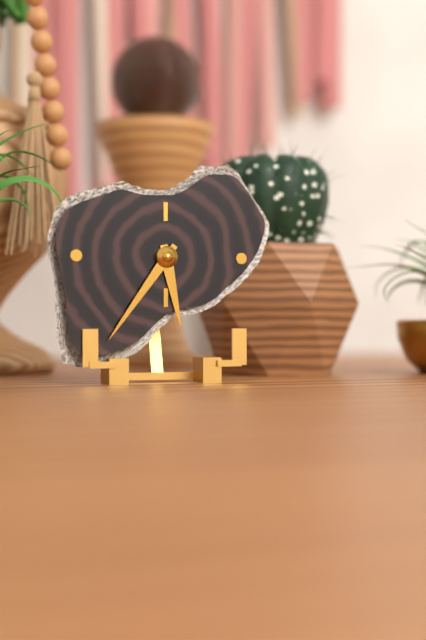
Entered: {"hour": 5, "minute": 36}
